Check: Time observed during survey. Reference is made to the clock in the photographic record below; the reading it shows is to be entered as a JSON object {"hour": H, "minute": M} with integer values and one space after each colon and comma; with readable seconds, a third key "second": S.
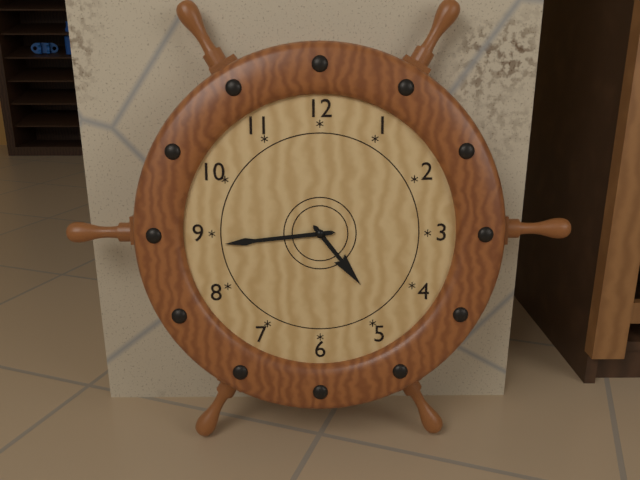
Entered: {"hour": 4, "minute": 44}
